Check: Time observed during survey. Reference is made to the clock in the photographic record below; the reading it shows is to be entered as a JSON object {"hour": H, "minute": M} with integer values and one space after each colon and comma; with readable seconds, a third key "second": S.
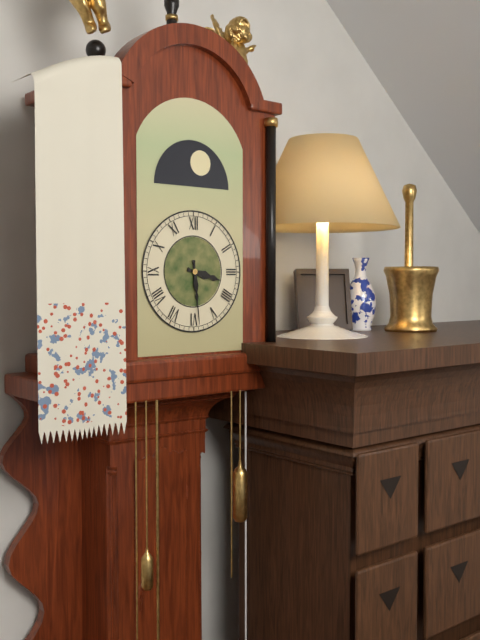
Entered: {"hour": 3, "minute": 29}
